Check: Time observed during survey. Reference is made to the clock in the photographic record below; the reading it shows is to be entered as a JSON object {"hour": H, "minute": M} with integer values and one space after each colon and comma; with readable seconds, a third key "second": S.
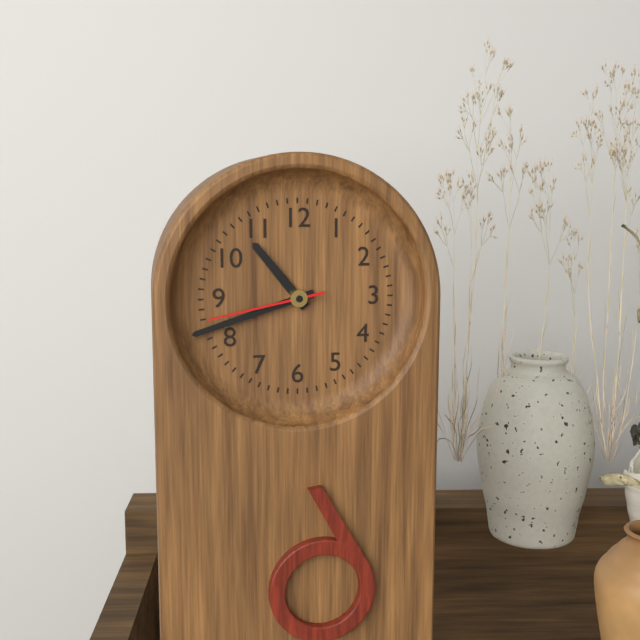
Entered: {"hour": 10, "minute": 42, "second": 43}
